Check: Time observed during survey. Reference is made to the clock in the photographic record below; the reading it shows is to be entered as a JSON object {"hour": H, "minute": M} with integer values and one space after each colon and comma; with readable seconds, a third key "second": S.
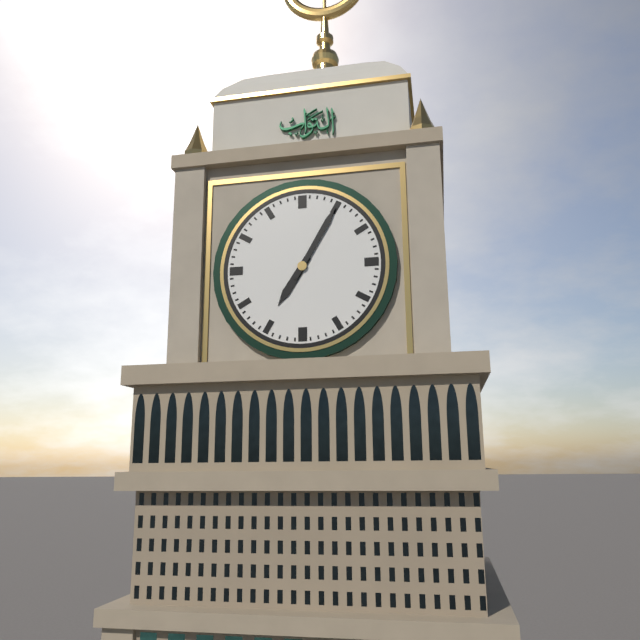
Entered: {"hour": 7, "minute": 5}
